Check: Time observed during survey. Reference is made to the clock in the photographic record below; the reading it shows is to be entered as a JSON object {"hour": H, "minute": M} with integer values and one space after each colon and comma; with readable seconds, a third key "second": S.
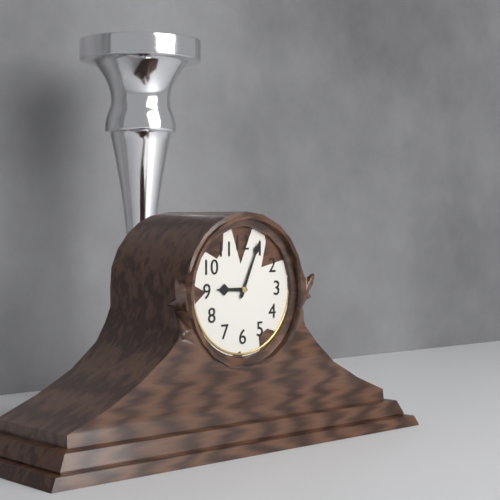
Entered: {"hour": 9, "minute": 4}
